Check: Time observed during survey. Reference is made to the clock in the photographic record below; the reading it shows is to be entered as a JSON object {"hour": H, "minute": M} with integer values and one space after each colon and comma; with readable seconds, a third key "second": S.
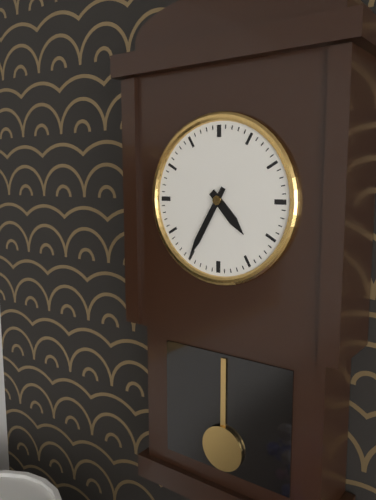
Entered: {"hour": 4, "minute": 35}
